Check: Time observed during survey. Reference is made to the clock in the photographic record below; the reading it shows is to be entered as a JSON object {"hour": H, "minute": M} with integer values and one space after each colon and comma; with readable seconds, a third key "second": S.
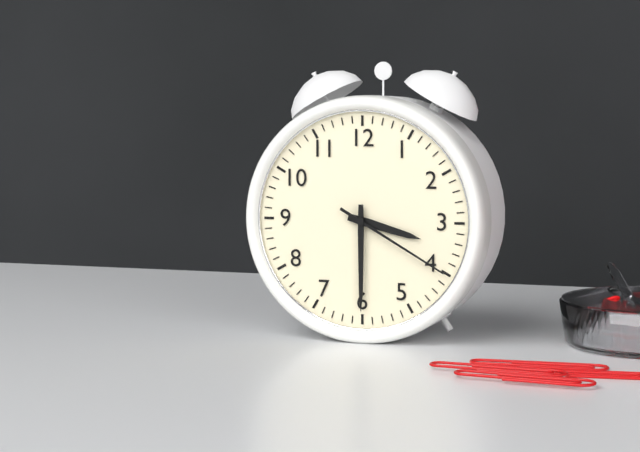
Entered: {"hour": 3, "minute": 30, "second": 20}
